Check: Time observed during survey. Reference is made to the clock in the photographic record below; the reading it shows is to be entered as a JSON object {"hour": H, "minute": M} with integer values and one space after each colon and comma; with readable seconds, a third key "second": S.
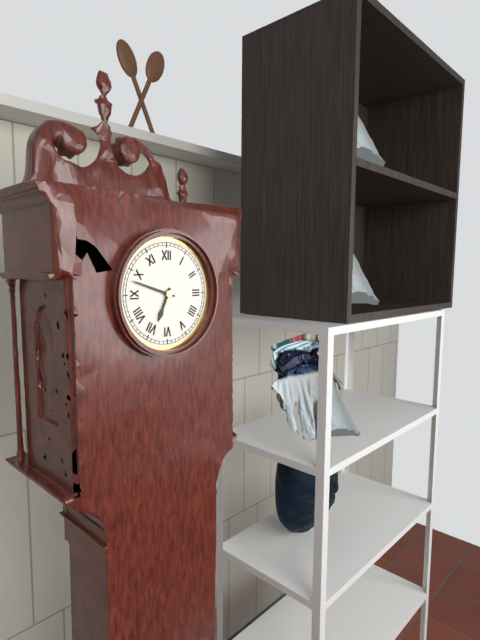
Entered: {"hour": 6, "minute": 48}
